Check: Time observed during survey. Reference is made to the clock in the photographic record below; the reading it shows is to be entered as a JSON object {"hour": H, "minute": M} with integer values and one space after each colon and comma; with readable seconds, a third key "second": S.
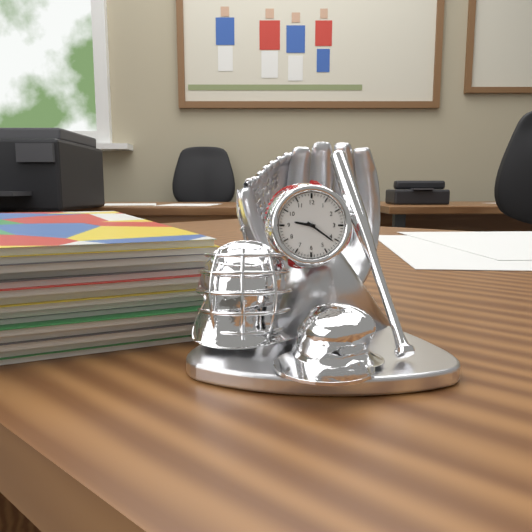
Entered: {"hour": 9, "minute": 21}
